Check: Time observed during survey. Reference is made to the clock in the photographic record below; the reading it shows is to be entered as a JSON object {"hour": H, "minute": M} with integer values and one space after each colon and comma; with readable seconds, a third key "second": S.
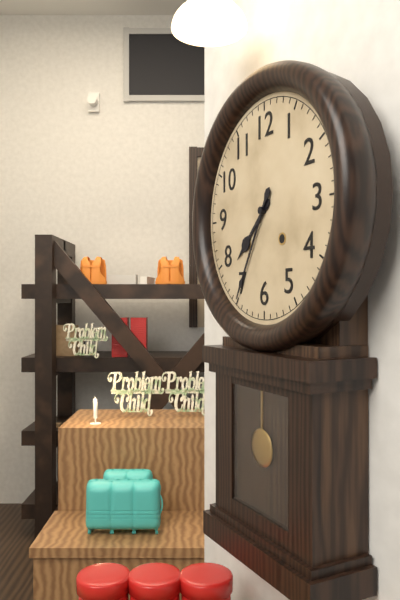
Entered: {"hour": 7, "minute": 35}
